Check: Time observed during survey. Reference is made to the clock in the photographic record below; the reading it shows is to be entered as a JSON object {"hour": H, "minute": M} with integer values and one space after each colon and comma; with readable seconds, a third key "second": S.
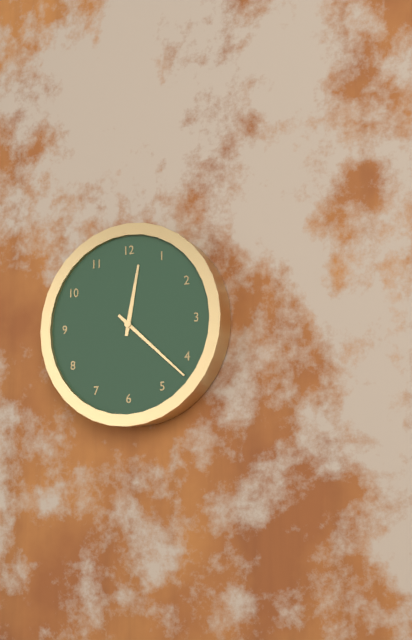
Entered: {"hour": 12, "minute": 22}
